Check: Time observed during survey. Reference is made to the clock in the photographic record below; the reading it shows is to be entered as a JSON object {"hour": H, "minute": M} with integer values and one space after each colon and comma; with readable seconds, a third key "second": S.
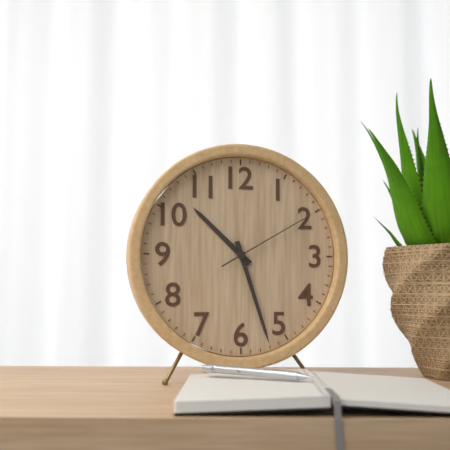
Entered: {"hour": 10, "minute": 27, "second": 10}
